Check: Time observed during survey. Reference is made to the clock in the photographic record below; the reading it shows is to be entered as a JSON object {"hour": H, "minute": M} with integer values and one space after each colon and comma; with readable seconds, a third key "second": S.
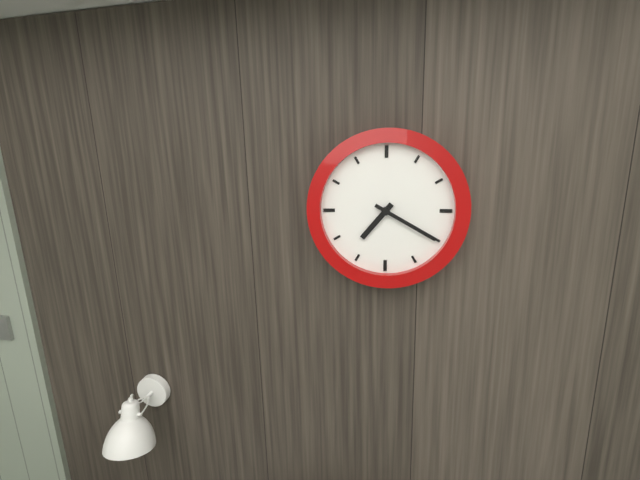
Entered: {"hour": 7, "minute": 20}
